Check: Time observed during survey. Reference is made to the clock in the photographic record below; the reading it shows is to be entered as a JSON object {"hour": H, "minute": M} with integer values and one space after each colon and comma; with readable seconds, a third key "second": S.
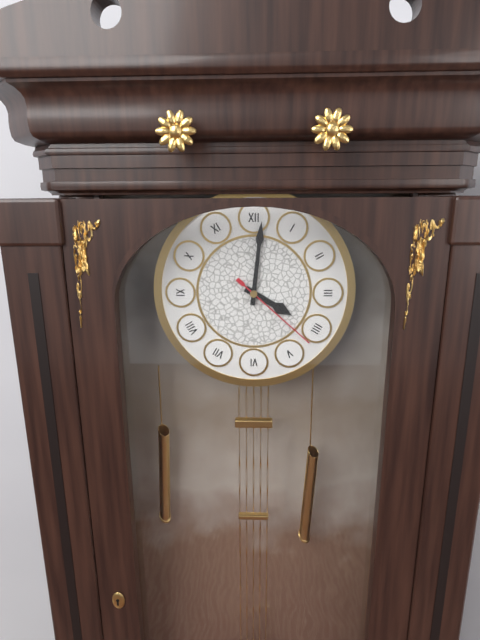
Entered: {"hour": 4, "minute": 1, "second": 22}
